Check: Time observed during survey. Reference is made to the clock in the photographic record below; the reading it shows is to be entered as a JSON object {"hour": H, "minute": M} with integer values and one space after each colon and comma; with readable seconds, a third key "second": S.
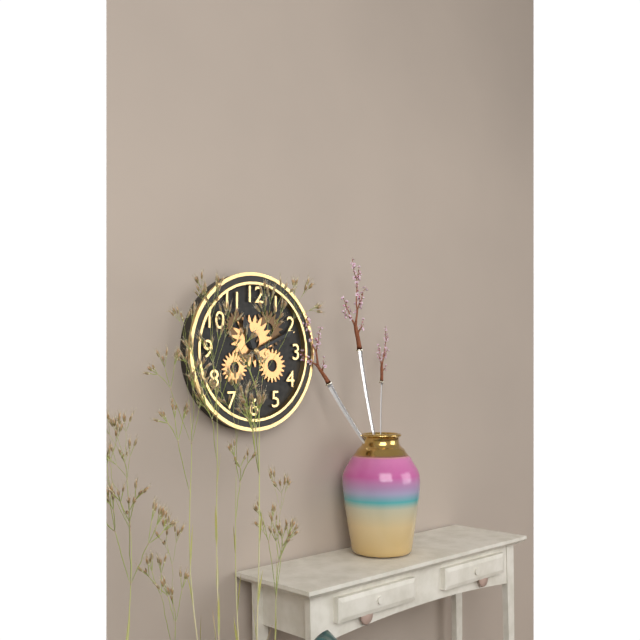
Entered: {"hour": 11, "minute": 11}
